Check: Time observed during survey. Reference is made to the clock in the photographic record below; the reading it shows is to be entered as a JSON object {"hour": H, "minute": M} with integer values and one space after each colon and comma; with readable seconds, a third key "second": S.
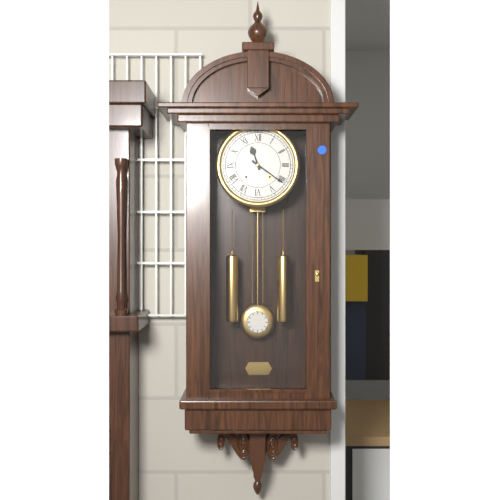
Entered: {"hour": 11, "minute": 21}
